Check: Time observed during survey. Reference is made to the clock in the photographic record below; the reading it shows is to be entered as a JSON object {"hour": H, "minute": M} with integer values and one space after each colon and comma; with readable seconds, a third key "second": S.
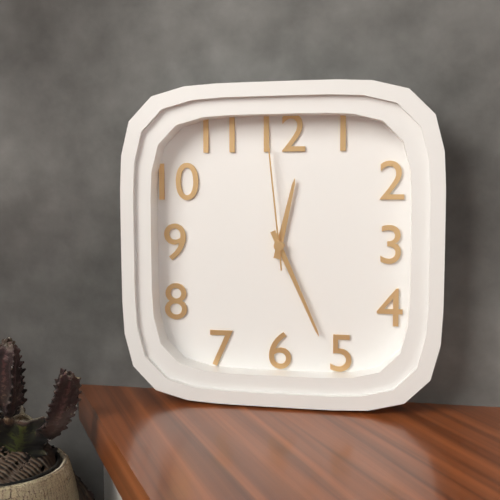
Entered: {"hour": 12, "minute": 26, "second": 59}
